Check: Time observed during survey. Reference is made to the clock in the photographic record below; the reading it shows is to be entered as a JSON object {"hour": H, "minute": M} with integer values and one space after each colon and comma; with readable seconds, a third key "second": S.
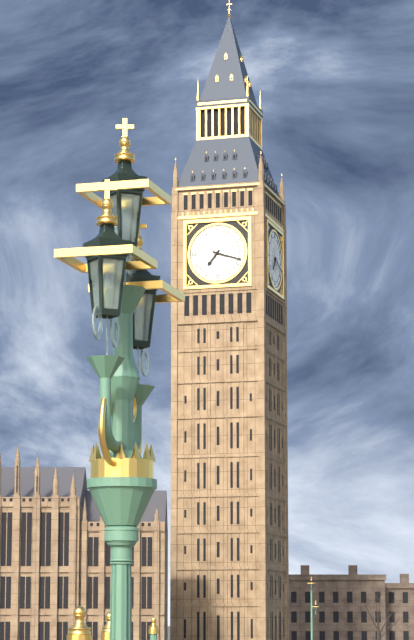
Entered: {"hour": 7, "minute": 18}
